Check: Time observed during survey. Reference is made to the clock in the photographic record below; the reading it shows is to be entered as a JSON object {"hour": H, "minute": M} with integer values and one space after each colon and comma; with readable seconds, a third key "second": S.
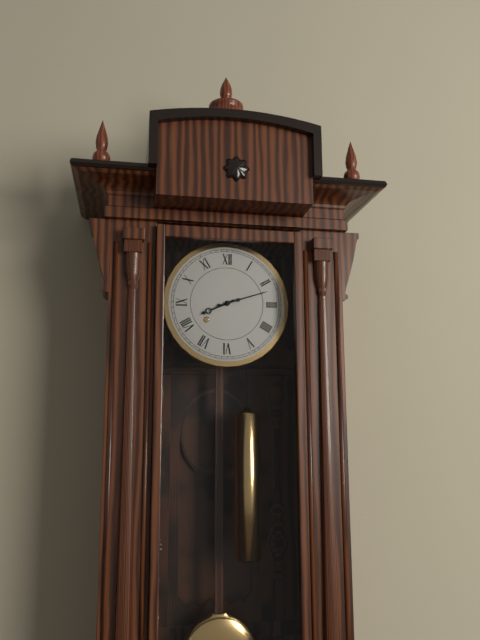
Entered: {"hour": 8, "minute": 12}
